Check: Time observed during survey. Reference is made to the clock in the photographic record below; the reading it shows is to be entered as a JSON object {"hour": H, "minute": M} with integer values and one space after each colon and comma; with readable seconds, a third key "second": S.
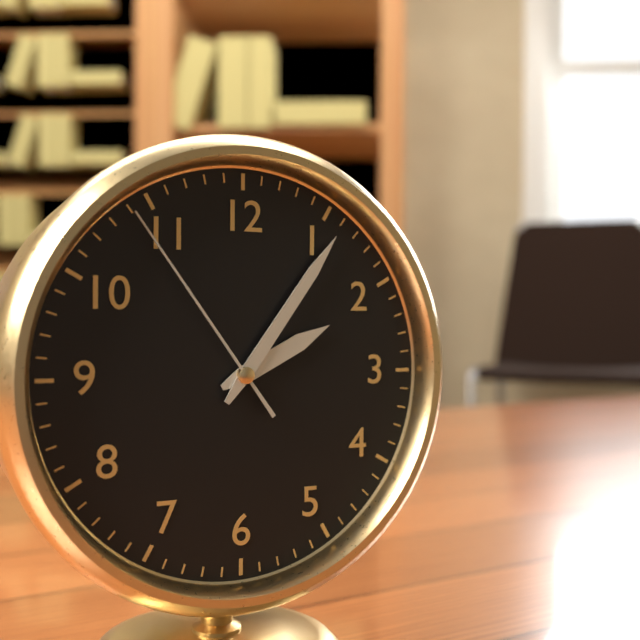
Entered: {"hour": 2, "minute": 6, "second": 54}
